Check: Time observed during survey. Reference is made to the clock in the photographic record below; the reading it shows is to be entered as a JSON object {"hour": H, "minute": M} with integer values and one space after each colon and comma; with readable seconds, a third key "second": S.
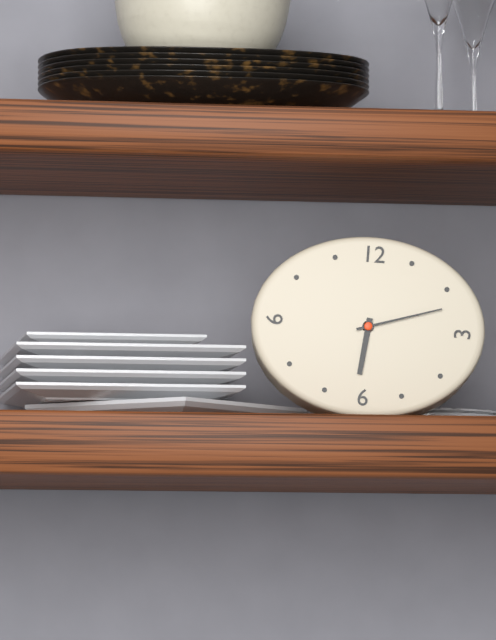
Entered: {"hour": 6, "minute": 12}
